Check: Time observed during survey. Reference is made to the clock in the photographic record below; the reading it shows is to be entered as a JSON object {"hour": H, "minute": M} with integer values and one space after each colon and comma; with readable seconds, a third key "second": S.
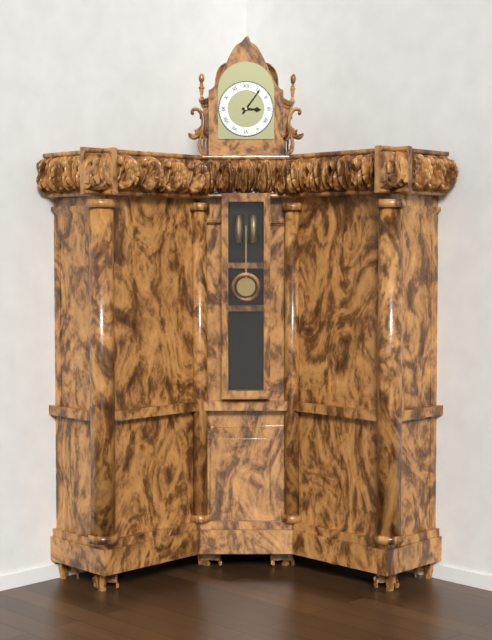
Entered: {"hour": 3, "minute": 6}
